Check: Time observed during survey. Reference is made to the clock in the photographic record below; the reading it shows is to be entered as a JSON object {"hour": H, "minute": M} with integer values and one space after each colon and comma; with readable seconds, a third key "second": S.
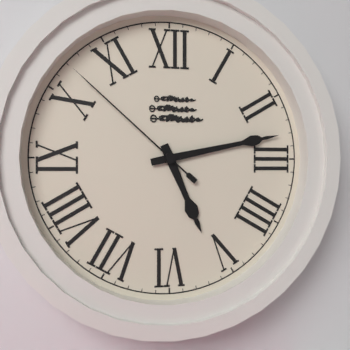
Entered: {"hour": 5, "minute": 13, "second": 52}
